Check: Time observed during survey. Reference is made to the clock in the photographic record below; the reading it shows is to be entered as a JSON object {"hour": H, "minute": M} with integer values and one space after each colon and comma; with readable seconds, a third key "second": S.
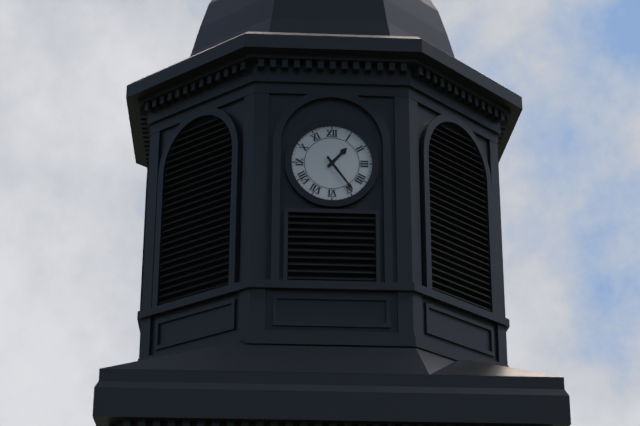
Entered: {"hour": 1, "minute": 24}
